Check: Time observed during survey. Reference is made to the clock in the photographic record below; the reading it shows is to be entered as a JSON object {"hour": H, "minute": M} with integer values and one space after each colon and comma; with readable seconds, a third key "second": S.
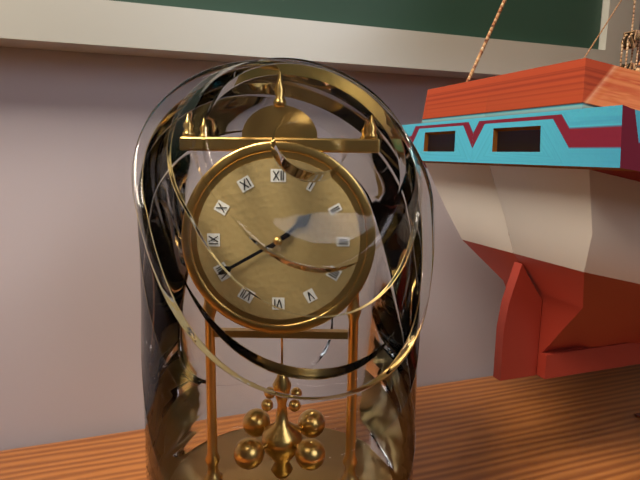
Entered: {"hour": 1, "minute": 40}
